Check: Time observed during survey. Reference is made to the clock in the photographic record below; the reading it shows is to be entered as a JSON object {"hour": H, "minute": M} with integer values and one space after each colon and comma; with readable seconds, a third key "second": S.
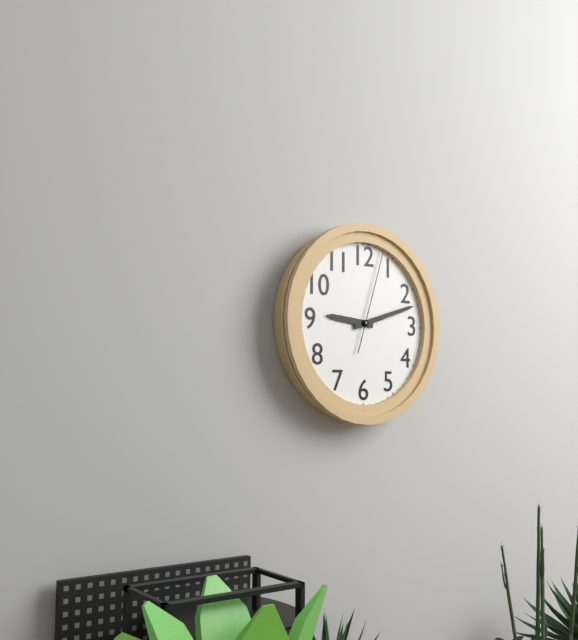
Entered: {"hour": 9, "minute": 12, "second": 3}
